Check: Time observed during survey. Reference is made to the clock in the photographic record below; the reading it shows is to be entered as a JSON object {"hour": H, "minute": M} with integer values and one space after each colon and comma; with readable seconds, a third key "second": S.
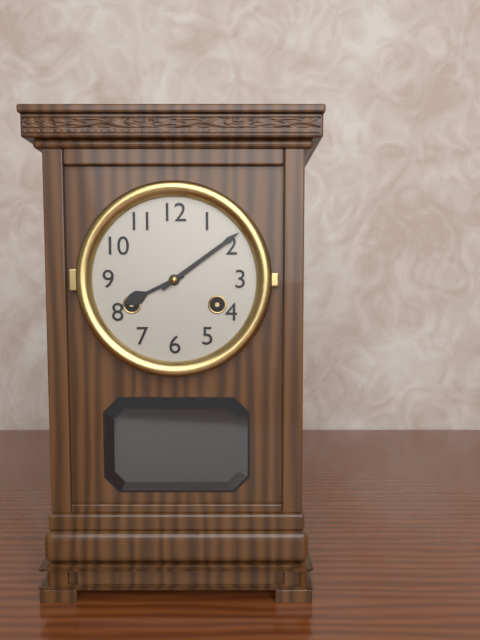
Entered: {"hour": 8, "minute": 9}
